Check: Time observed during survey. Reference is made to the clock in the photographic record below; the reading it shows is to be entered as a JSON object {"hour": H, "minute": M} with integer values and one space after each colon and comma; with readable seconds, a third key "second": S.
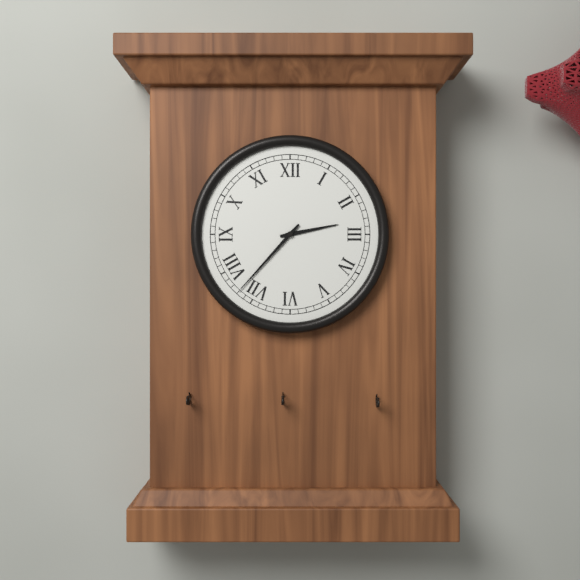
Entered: {"hour": 2, "minute": 37}
